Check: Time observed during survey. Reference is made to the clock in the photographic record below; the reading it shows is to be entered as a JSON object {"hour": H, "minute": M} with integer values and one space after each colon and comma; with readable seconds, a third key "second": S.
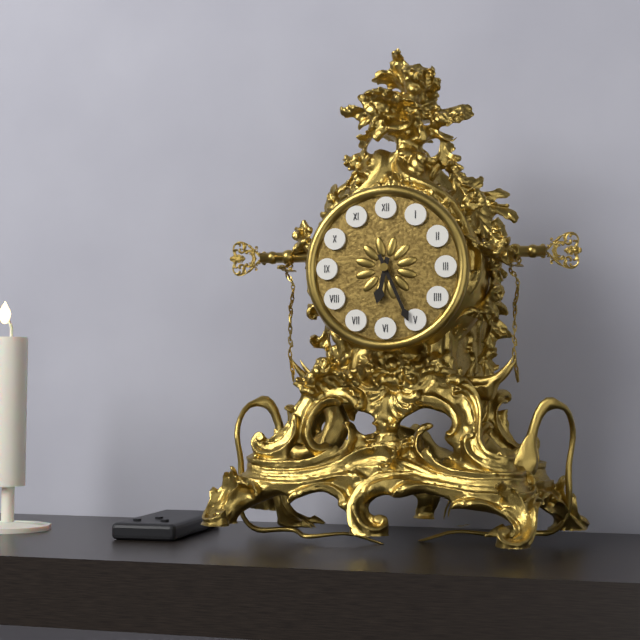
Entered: {"hour": 6, "minute": 26}
